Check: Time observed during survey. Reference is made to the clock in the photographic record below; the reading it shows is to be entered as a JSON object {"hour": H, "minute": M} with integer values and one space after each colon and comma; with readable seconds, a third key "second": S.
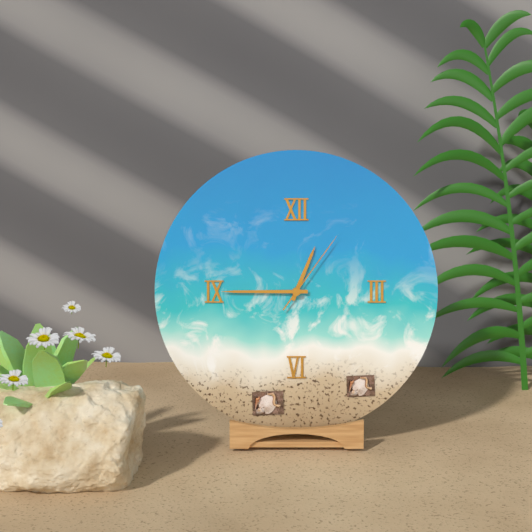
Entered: {"hour": 12, "minute": 45, "second": 6}
